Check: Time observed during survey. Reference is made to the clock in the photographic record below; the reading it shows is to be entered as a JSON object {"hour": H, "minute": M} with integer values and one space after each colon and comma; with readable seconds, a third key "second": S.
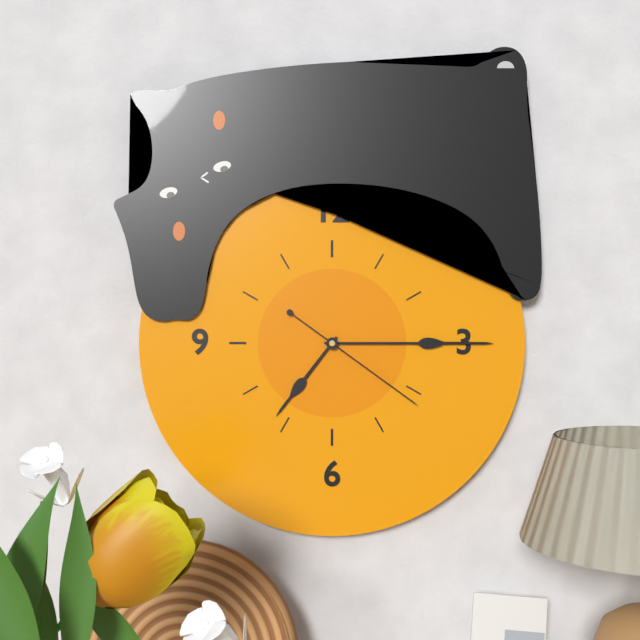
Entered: {"hour": 7, "minute": 15, "second": 21}
